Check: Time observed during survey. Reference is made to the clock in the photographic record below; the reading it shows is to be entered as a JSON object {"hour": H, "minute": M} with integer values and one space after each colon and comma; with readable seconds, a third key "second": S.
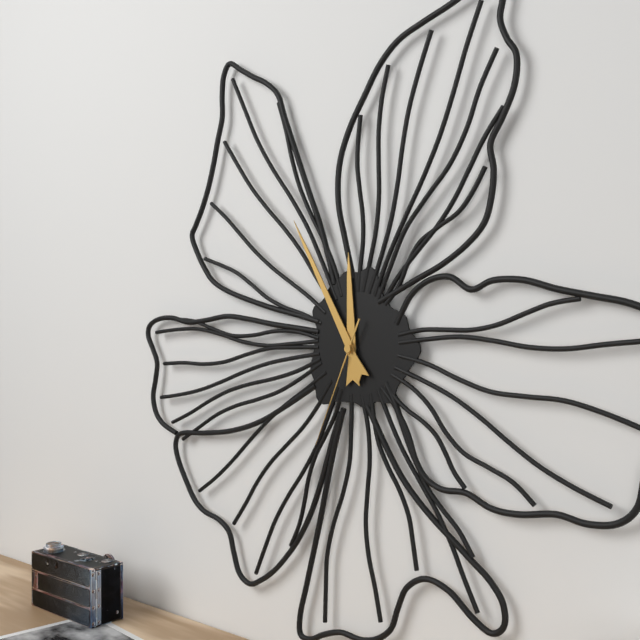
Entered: {"hour": 11, "minute": 55, "second": 34}
